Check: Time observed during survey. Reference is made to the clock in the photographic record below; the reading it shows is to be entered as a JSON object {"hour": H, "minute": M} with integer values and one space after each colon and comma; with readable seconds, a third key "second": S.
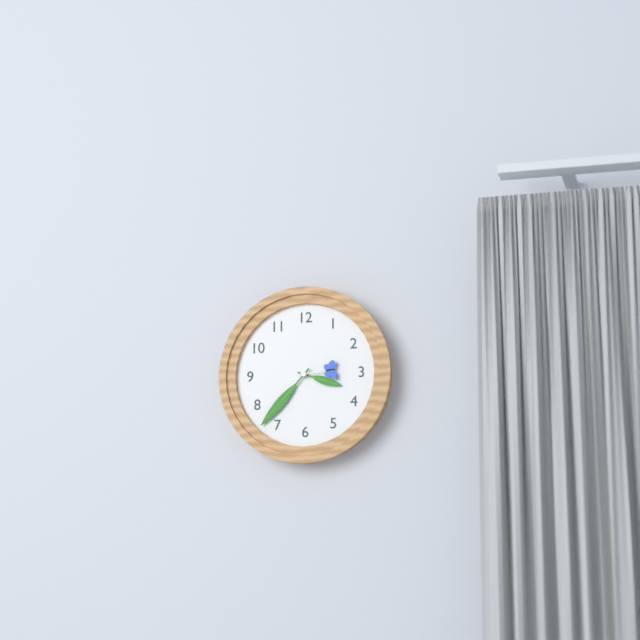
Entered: {"hour": 3, "minute": 37}
